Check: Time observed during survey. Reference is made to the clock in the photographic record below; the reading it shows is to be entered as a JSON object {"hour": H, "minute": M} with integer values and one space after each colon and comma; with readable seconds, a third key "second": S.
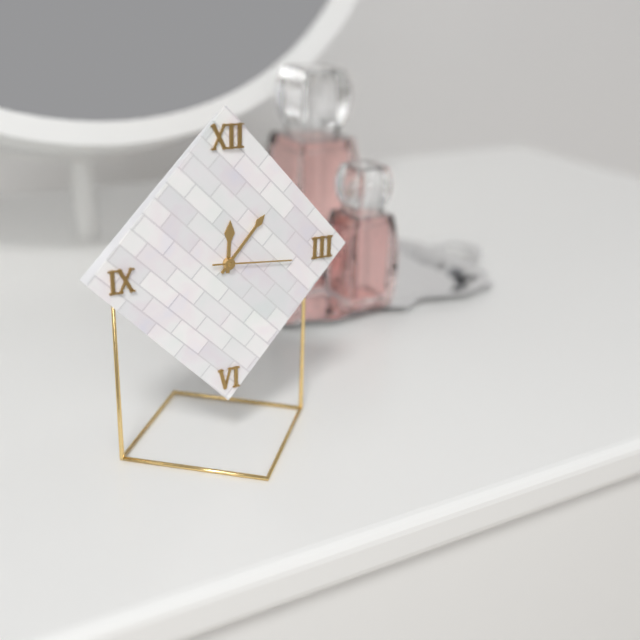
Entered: {"hour": 12, "minute": 7, "second": 16}
